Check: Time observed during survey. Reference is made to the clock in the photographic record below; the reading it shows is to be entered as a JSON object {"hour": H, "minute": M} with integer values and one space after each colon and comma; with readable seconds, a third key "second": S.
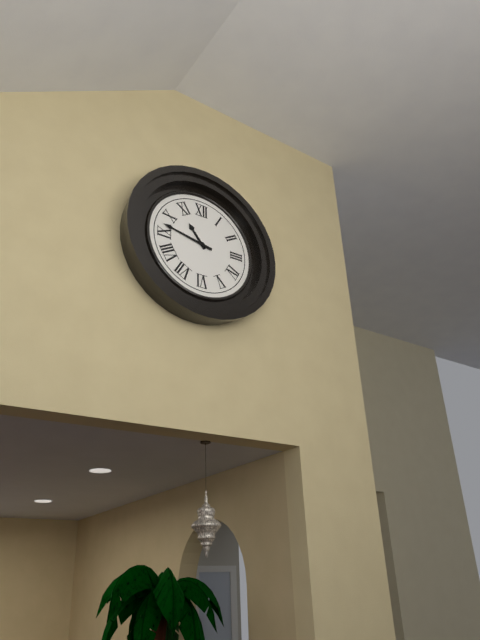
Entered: {"hour": 10, "minute": 47}
